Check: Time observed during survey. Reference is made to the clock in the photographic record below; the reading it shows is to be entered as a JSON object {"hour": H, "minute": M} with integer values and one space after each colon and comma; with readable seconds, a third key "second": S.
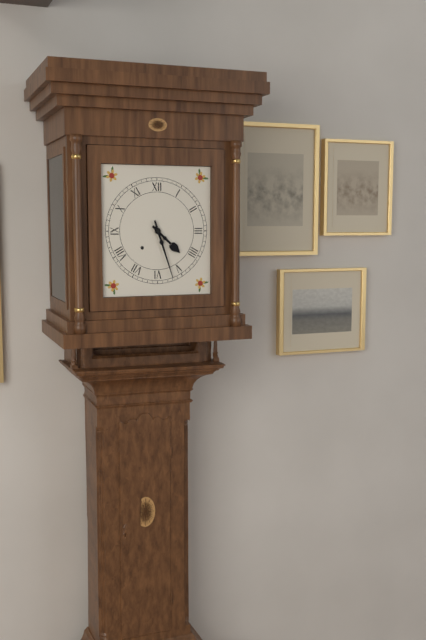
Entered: {"hour": 4, "minute": 27}
